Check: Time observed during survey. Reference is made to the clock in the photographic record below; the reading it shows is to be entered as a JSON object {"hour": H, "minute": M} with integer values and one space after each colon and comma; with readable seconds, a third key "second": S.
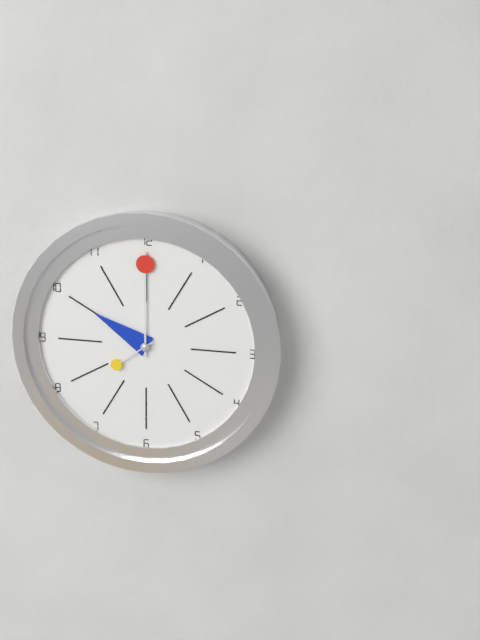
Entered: {"hour": 10, "minute": 0, "second": 39}
